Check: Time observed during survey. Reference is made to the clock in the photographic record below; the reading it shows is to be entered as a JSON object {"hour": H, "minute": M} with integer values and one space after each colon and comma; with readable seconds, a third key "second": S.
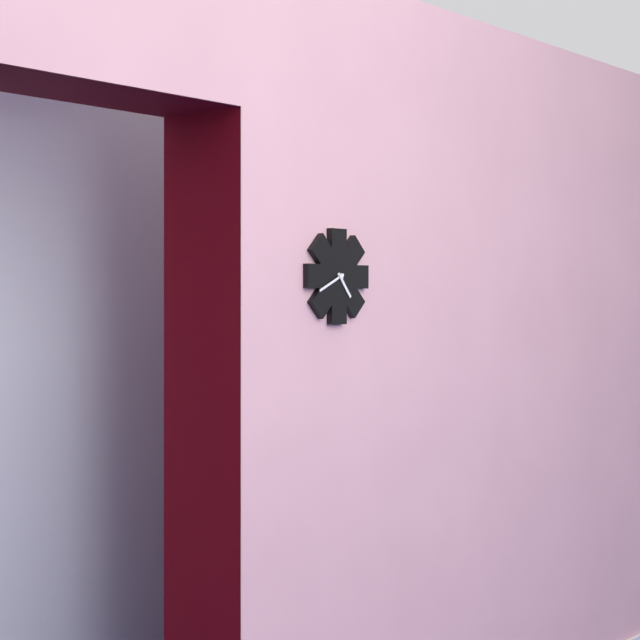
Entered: {"hour": 4, "minute": 41}
